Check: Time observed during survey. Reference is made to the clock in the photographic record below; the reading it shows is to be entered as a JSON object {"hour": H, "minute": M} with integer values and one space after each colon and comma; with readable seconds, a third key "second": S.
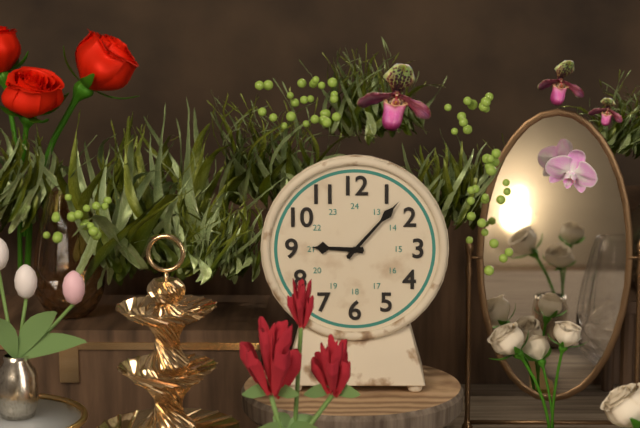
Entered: {"hour": 9, "minute": 7}
